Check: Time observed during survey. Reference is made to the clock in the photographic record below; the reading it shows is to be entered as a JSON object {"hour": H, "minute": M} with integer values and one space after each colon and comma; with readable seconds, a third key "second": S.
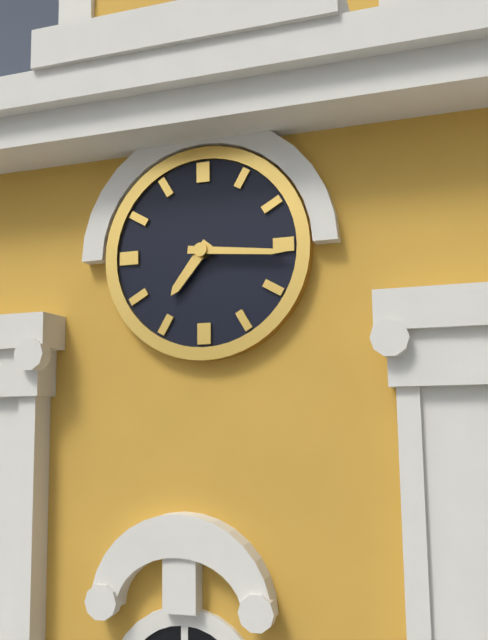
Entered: {"hour": 7, "minute": 16}
